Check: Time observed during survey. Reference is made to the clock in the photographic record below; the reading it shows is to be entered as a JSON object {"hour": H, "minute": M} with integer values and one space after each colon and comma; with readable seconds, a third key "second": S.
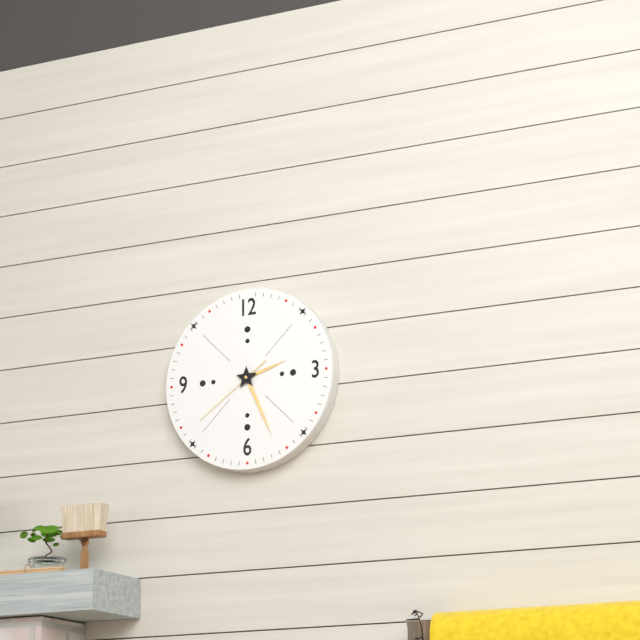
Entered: {"hour": 2, "minute": 26, "second": 39}
